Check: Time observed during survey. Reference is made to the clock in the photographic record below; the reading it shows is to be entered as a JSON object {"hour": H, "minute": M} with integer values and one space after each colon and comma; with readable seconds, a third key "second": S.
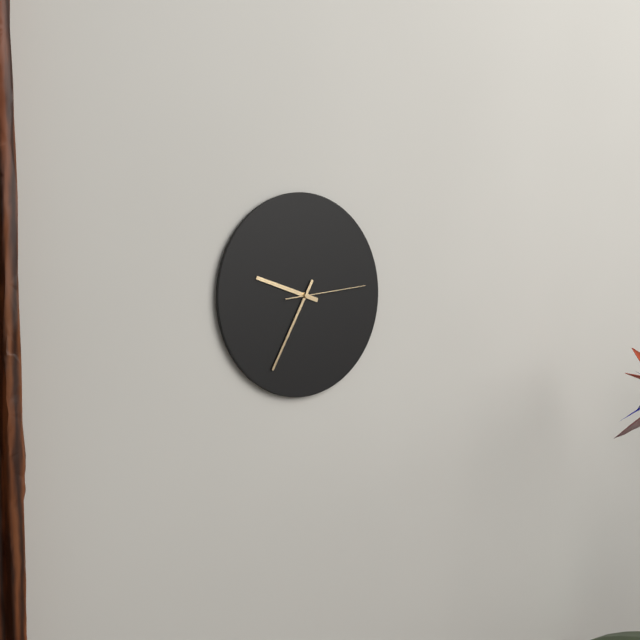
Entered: {"hour": 9, "minute": 35, "second": 14}
